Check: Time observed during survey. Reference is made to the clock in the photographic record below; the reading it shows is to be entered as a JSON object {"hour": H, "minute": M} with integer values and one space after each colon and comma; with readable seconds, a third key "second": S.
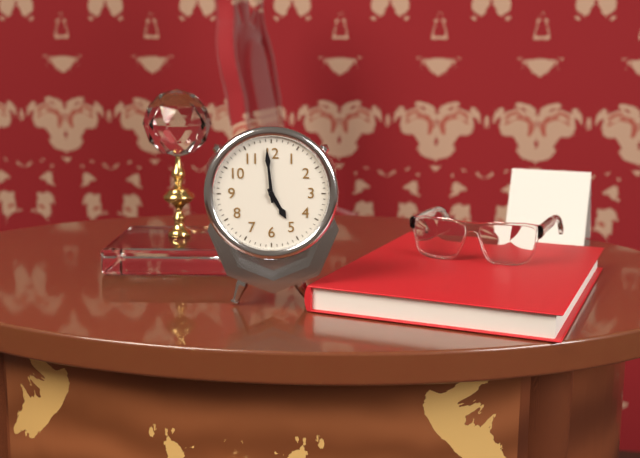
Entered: {"hour": 4, "minute": 59}
